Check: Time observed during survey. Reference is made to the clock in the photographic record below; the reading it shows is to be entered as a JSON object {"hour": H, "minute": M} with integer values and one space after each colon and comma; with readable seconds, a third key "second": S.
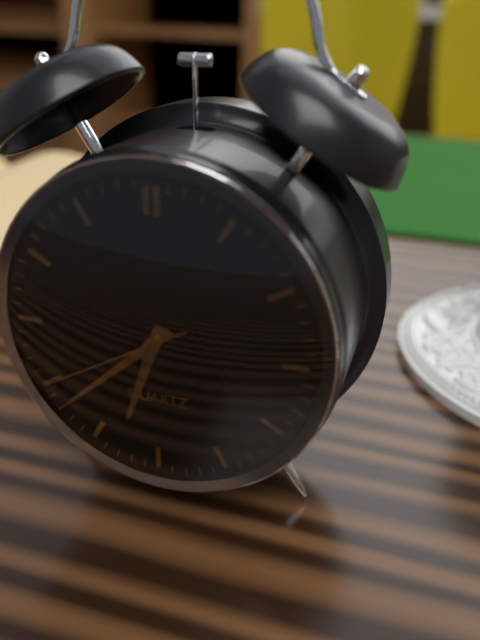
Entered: {"hour": 6, "minute": 38, "second": 40}
